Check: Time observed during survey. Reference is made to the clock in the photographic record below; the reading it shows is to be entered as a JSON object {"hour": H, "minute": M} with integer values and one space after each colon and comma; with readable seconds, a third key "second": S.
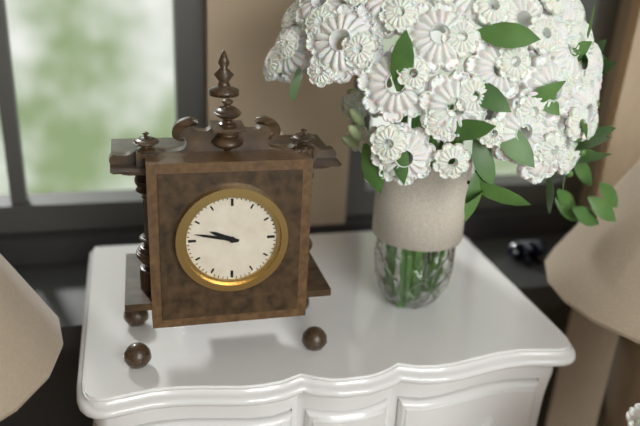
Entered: {"hour": 9, "minute": 47}
